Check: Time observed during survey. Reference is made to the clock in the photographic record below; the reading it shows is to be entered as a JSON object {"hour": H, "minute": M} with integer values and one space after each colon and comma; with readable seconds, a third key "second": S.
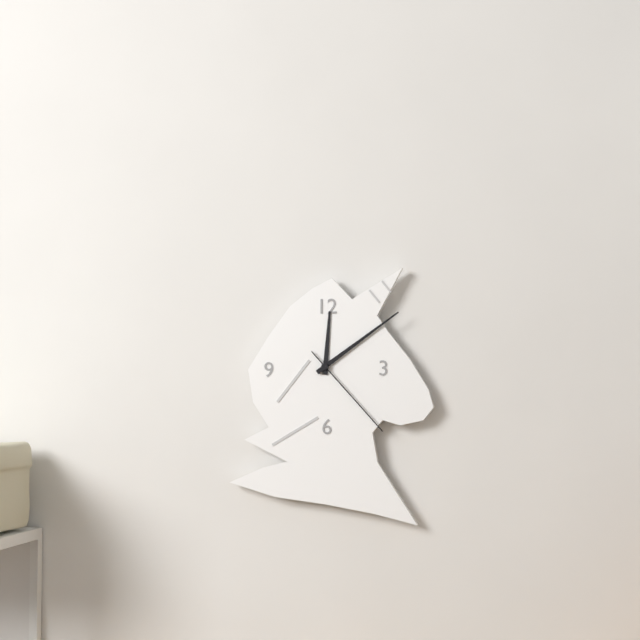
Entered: {"hour": 12, "minute": 9, "second": 23}
